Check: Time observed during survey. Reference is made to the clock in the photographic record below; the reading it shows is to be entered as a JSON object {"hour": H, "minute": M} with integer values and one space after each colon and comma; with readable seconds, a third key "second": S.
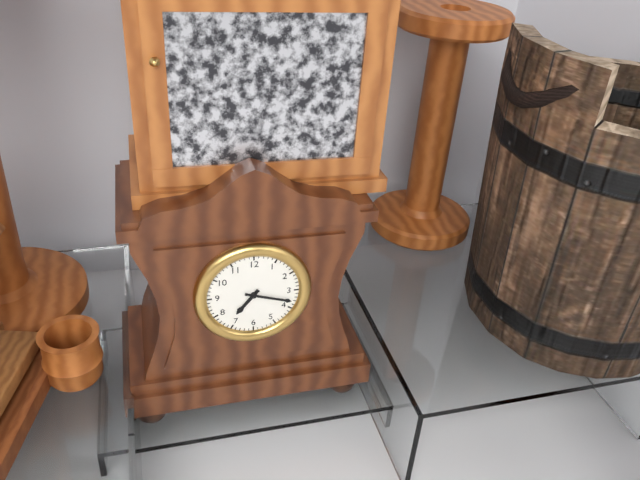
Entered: {"hour": 7, "minute": 18}
